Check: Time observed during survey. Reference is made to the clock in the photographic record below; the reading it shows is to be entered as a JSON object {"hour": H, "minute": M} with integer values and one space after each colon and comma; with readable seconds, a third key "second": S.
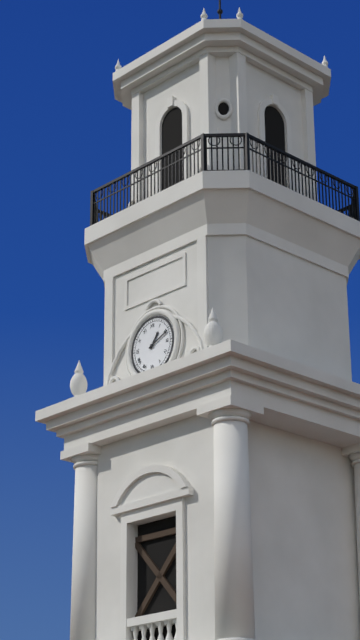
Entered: {"hour": 1, "minute": 11}
